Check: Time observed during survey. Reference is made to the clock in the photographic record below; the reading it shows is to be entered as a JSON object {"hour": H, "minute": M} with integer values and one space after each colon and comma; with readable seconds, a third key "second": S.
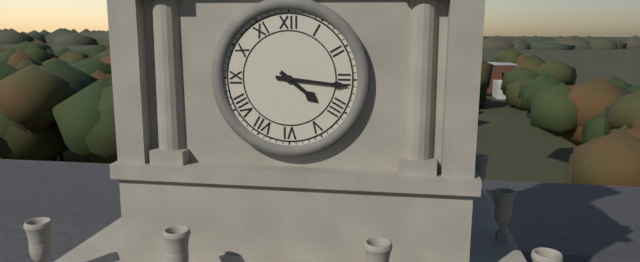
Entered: {"hour": 4, "minute": 16}
